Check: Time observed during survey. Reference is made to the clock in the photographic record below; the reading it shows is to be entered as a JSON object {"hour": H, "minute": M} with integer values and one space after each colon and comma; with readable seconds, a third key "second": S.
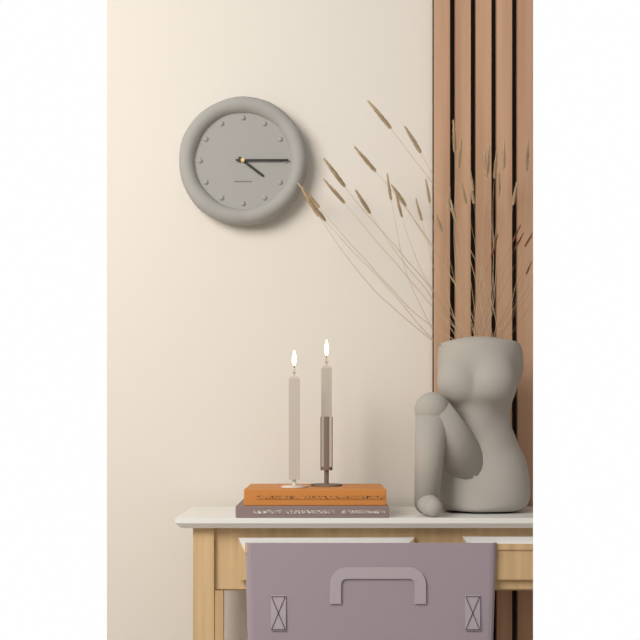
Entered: {"hour": 4, "minute": 15}
